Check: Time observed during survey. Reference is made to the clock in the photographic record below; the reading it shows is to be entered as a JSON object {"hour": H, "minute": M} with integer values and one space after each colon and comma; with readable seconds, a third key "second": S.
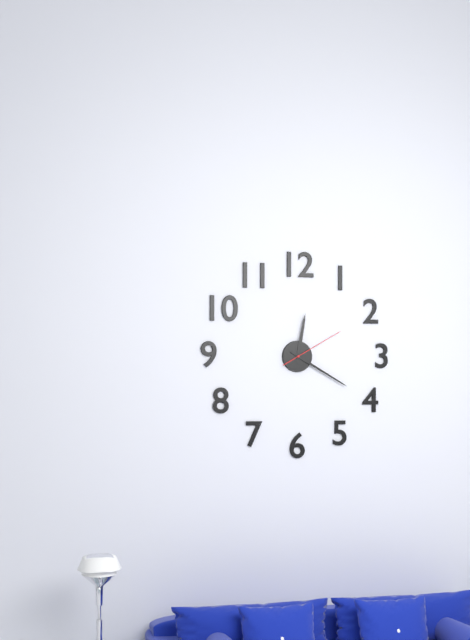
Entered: {"hour": 12, "minute": 20, "second": 10}
